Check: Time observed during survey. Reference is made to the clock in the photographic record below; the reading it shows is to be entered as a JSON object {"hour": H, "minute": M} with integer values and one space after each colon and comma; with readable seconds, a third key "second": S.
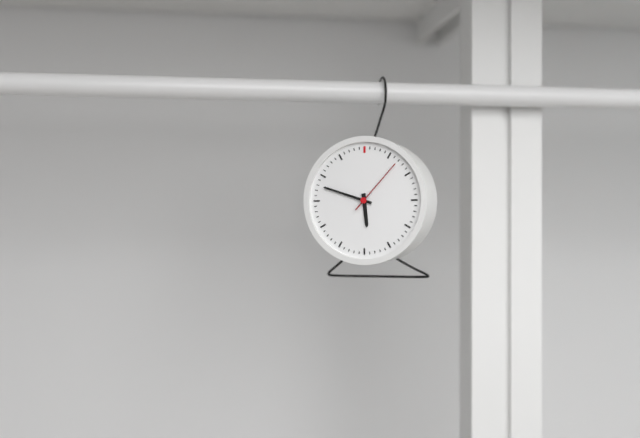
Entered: {"hour": 5, "minute": 48, "second": 7}
